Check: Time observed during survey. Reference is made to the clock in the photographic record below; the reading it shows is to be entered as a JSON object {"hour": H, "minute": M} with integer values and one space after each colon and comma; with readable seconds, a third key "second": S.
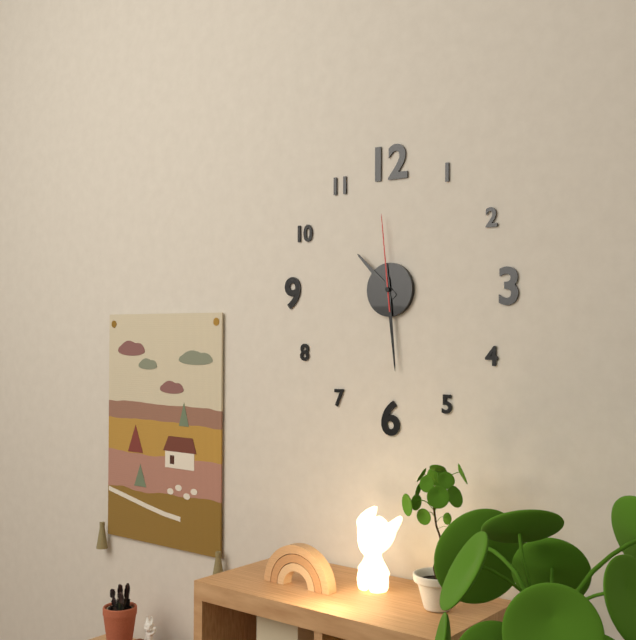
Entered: {"hour": 10, "minute": 29, "second": 59}
